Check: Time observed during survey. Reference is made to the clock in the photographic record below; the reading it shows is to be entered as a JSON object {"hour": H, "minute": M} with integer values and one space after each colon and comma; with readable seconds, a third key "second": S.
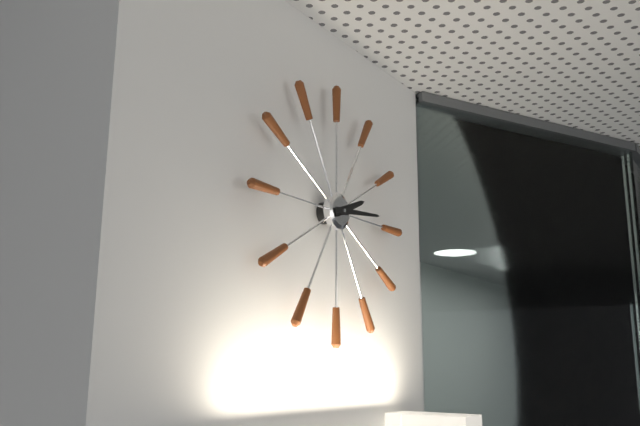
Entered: {"hour": 2, "minute": 14}
